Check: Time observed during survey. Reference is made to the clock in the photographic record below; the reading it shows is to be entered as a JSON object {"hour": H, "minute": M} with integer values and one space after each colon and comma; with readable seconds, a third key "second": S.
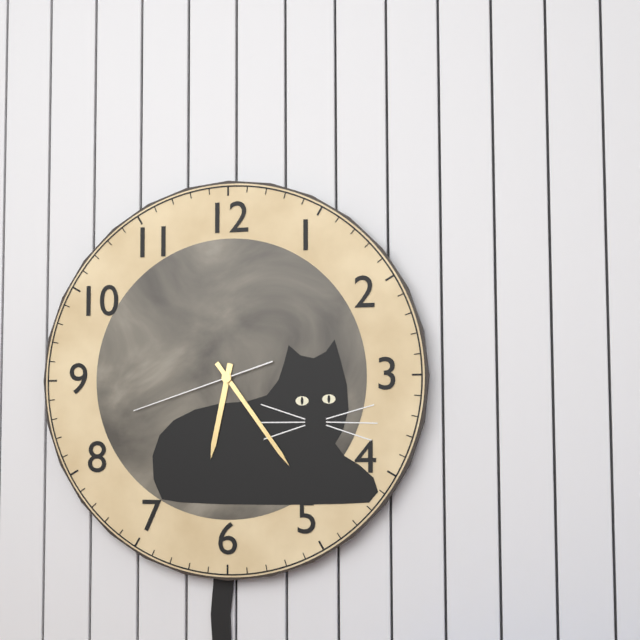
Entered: {"hour": 6, "minute": 24, "second": 42}
